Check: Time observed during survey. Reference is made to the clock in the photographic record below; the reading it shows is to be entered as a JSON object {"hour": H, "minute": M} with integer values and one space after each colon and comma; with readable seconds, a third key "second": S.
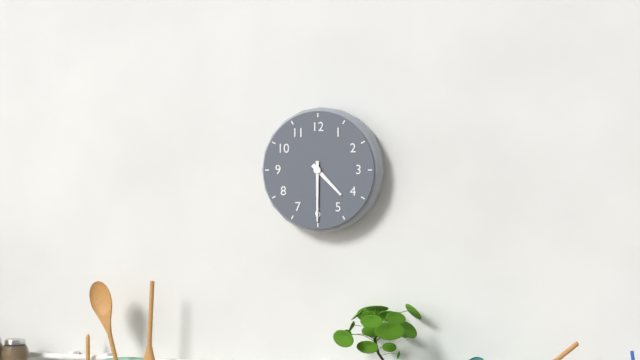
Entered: {"hour": 4, "minute": 30}
